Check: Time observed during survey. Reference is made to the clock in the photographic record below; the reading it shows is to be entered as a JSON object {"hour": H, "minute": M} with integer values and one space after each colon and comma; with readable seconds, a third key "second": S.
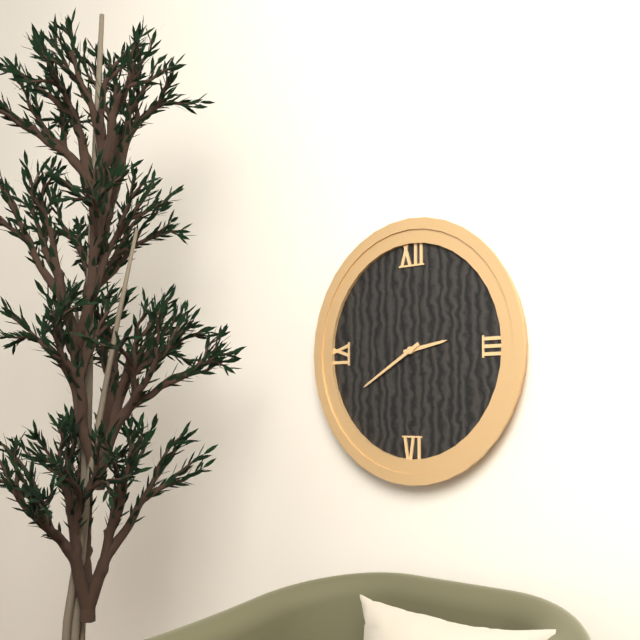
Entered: {"hour": 2, "minute": 40}
